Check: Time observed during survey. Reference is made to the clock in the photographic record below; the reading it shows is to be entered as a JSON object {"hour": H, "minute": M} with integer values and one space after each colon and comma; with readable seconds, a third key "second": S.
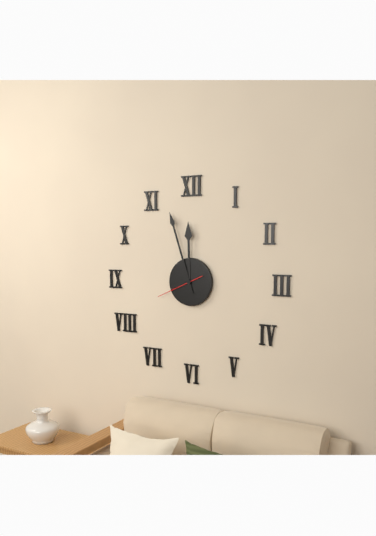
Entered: {"hour": 11, "minute": 57}
